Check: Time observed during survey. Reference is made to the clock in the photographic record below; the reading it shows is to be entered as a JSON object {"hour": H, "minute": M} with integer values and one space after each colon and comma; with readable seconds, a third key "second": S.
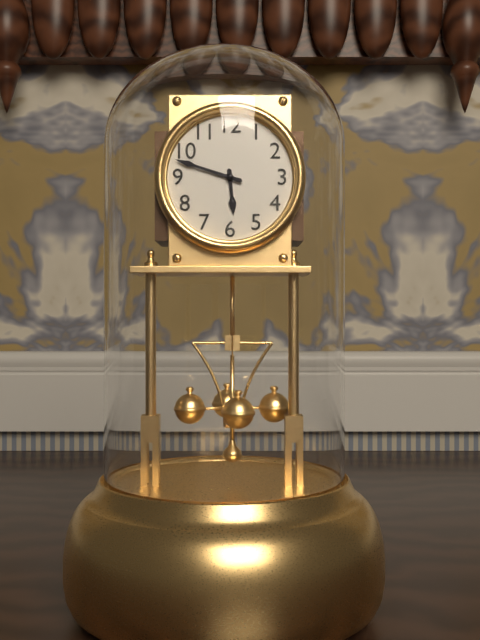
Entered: {"hour": 5, "minute": 48}
